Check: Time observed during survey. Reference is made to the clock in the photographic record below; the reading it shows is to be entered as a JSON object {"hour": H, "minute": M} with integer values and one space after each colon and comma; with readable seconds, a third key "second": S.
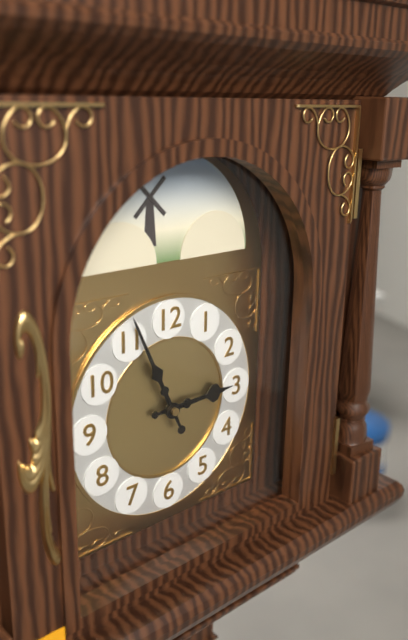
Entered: {"hour": 2, "minute": 56}
